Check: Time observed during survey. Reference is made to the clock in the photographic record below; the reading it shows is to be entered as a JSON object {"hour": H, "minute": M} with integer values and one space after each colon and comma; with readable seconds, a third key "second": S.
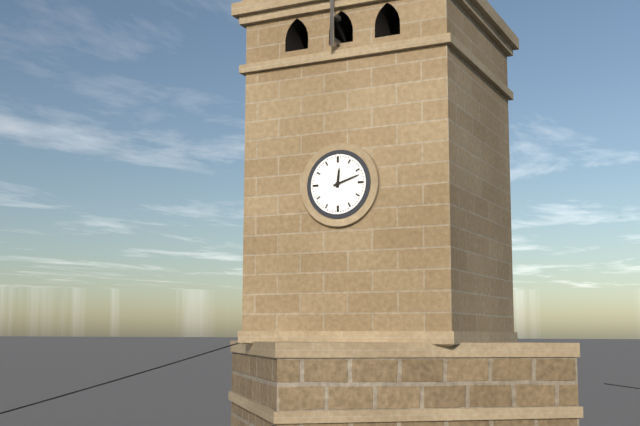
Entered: {"hour": 12, "minute": 12}
